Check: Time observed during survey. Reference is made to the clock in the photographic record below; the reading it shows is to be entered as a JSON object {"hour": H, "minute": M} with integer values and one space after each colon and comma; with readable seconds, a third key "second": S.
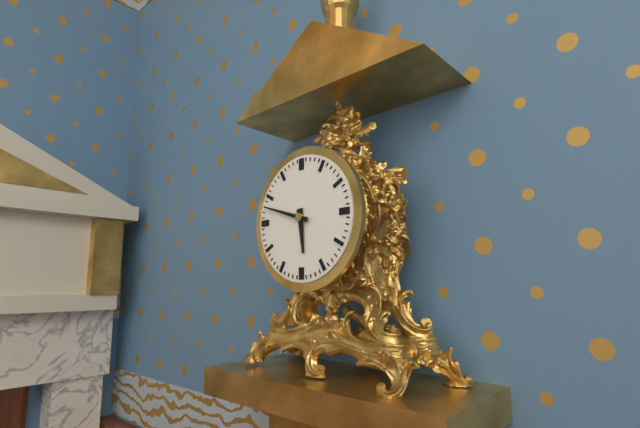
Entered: {"hour": 5, "minute": 48}
